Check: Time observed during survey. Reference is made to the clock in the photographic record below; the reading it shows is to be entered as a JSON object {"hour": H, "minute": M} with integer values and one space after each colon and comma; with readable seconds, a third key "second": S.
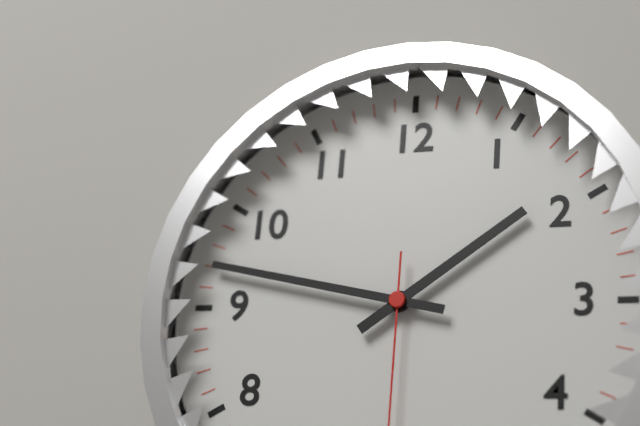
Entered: {"hour": 1, "minute": 47}
